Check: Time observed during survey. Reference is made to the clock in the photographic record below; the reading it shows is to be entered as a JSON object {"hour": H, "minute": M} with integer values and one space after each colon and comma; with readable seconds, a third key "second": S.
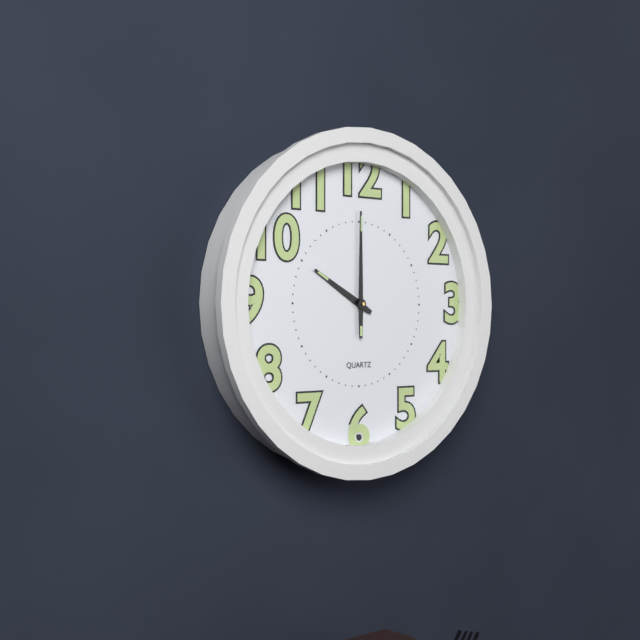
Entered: {"hour": 10, "minute": 0}
